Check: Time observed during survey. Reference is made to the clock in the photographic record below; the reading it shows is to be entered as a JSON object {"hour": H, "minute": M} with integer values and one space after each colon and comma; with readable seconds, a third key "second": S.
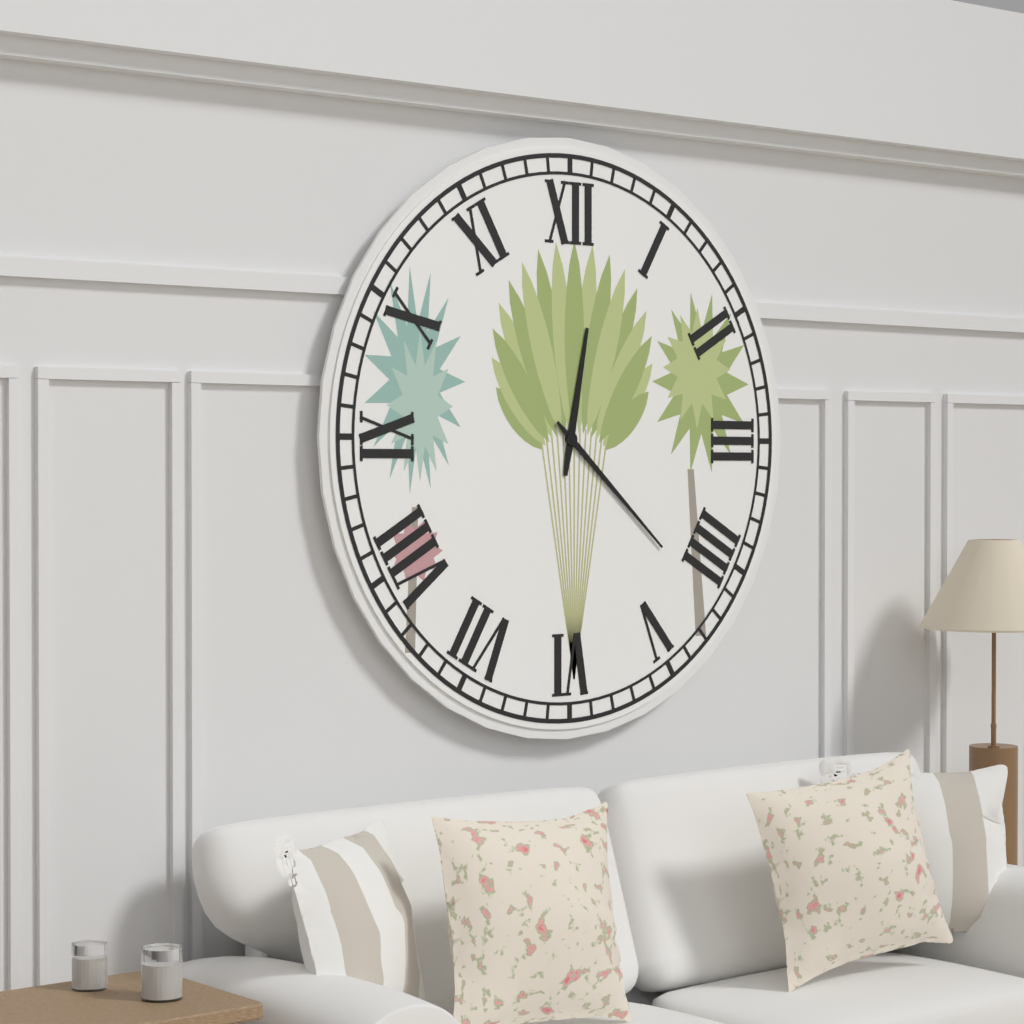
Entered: {"hour": 12, "minute": 22}
